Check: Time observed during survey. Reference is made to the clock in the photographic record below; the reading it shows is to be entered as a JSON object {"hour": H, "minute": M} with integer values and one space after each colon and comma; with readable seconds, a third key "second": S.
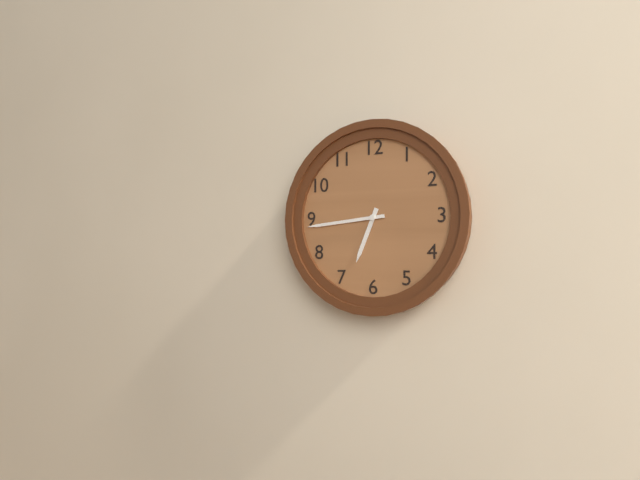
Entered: {"hour": 6, "minute": 44}
